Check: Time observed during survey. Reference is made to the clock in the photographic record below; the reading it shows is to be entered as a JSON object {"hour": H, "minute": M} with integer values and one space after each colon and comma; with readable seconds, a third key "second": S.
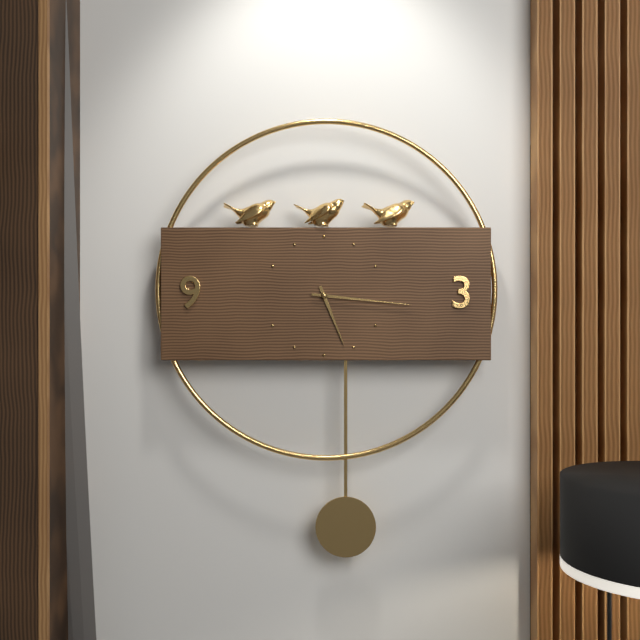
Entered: {"hour": 5, "minute": 16}
